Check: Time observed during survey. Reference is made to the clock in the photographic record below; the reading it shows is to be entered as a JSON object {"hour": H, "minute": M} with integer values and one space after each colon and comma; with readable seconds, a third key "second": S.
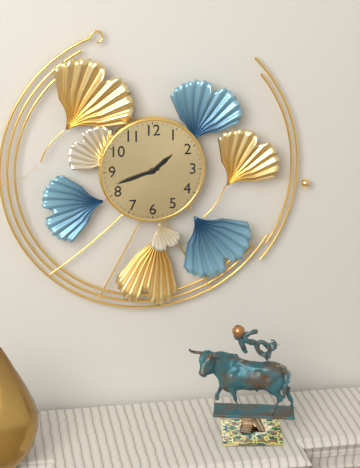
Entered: {"hour": 1, "minute": 42}
